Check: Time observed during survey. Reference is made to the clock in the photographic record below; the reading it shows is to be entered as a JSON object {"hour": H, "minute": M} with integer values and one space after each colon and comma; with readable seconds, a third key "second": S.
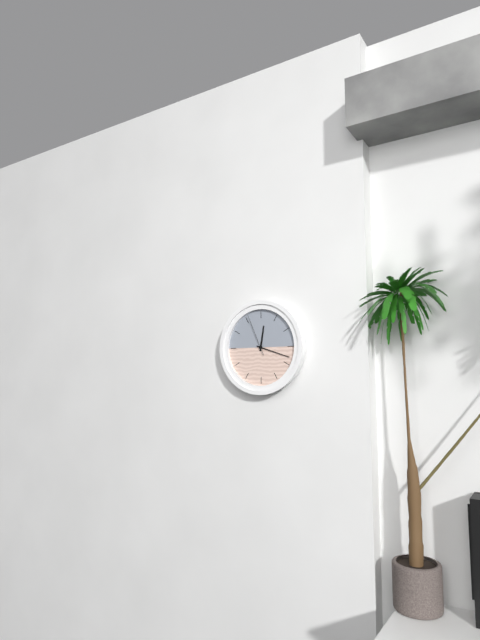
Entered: {"hour": 12, "minute": 18}
